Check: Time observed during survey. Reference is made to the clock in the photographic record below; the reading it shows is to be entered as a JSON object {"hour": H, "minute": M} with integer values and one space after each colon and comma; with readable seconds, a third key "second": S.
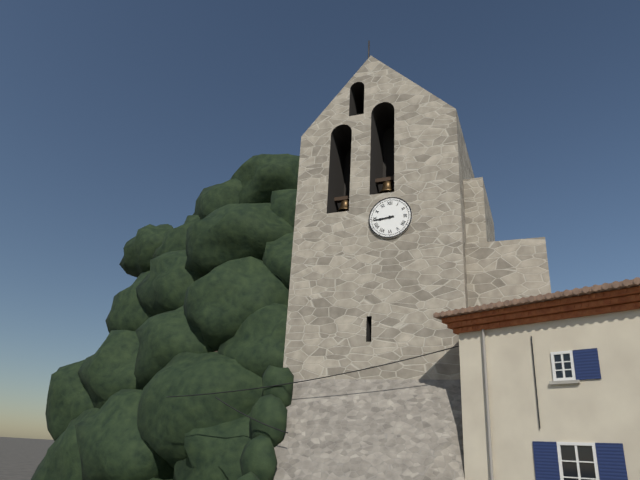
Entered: {"hour": 8, "minute": 44}
